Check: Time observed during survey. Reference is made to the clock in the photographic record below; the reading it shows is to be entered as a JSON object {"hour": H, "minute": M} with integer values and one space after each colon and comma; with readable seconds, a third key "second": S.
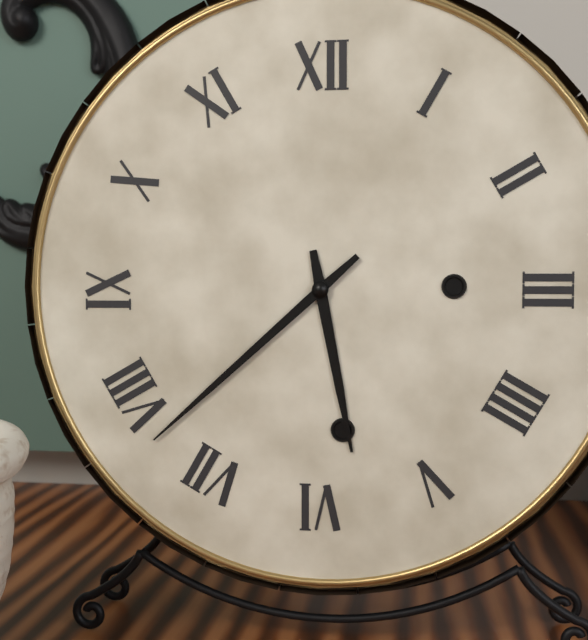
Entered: {"hour": 5, "minute": 38}
